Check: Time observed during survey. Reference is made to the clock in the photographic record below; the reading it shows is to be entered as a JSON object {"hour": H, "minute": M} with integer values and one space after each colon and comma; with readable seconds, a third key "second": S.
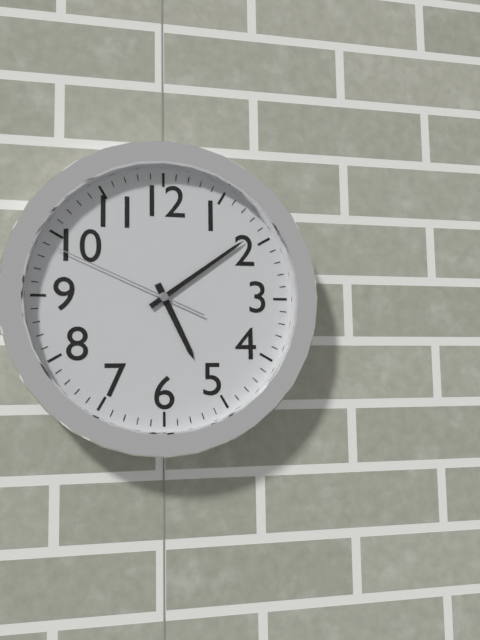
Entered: {"hour": 5, "minute": 9, "second": 49}
